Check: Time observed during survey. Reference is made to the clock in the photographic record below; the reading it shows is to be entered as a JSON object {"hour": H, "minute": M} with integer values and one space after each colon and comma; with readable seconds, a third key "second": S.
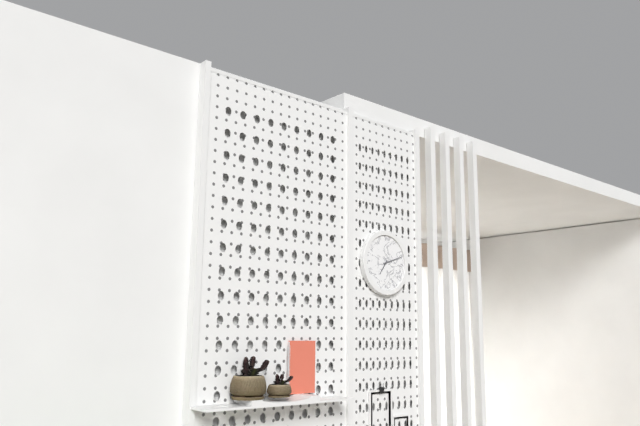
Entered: {"hour": 7, "minute": 12}
